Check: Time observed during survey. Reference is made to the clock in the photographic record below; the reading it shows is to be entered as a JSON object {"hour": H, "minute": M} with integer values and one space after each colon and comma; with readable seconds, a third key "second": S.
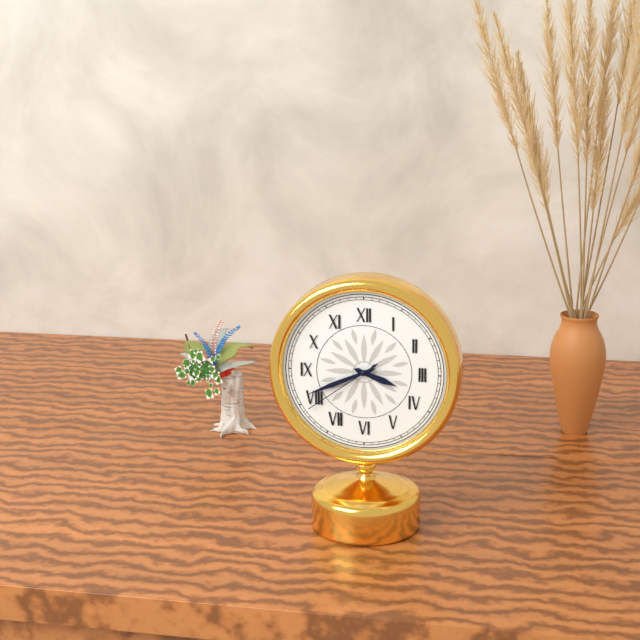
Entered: {"hour": 3, "minute": 41, "second": 39}
